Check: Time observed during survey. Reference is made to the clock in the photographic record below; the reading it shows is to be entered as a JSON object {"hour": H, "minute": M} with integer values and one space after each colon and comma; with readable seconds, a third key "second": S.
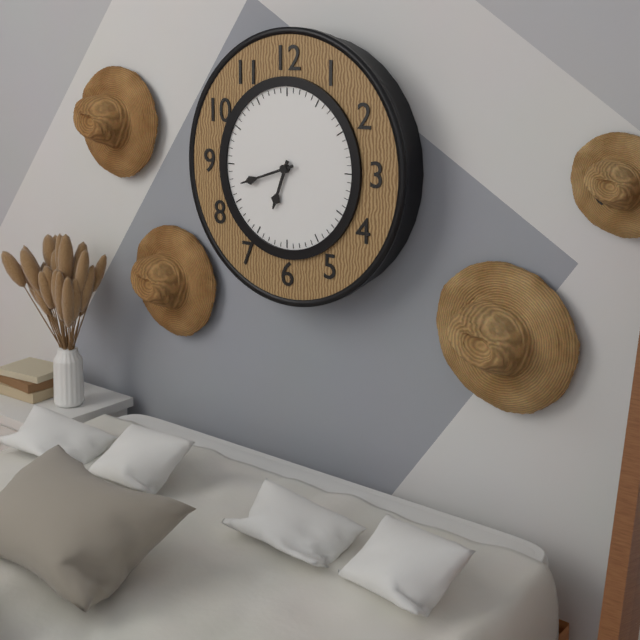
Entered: {"hour": 6, "minute": 42}
